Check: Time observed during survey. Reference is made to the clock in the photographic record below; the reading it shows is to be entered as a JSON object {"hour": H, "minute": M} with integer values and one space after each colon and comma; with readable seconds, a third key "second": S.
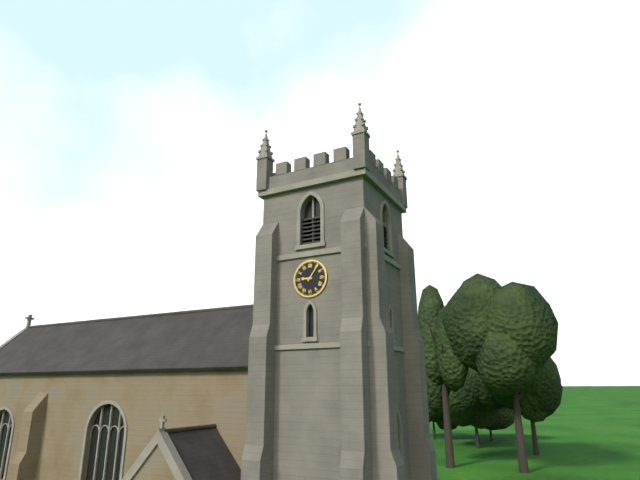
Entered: {"hour": 9, "minute": 6}
